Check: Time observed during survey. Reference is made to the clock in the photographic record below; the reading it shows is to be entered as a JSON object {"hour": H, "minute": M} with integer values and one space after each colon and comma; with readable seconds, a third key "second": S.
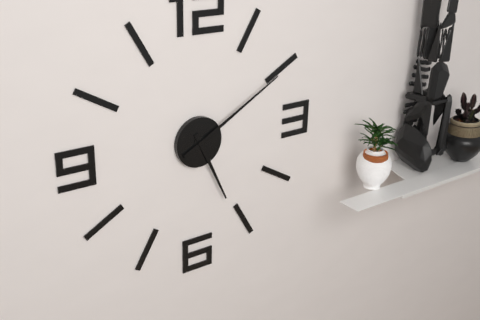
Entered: {"hour": 5, "minute": 10}
